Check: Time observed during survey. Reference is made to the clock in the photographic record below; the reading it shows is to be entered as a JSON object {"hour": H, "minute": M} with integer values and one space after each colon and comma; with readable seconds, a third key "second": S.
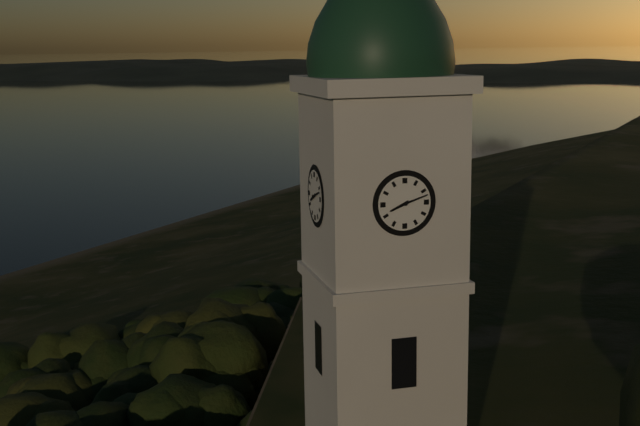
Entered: {"hour": 8, "minute": 12}
